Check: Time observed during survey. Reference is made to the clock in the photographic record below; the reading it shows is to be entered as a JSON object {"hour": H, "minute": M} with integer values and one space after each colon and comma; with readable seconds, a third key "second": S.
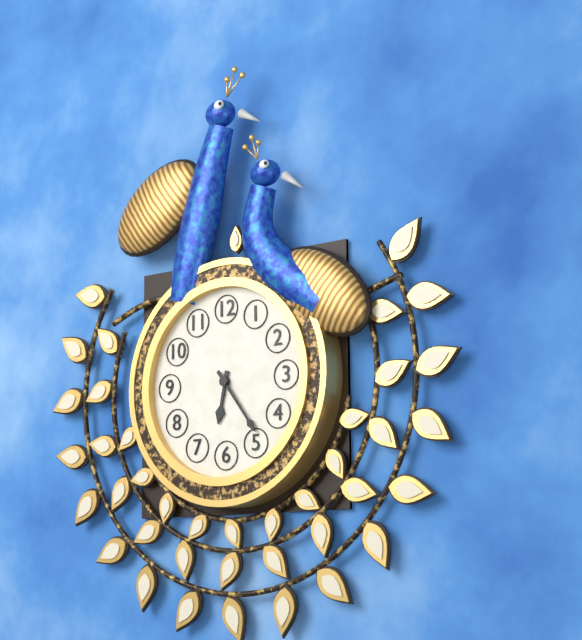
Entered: {"hour": 6, "minute": 24}
